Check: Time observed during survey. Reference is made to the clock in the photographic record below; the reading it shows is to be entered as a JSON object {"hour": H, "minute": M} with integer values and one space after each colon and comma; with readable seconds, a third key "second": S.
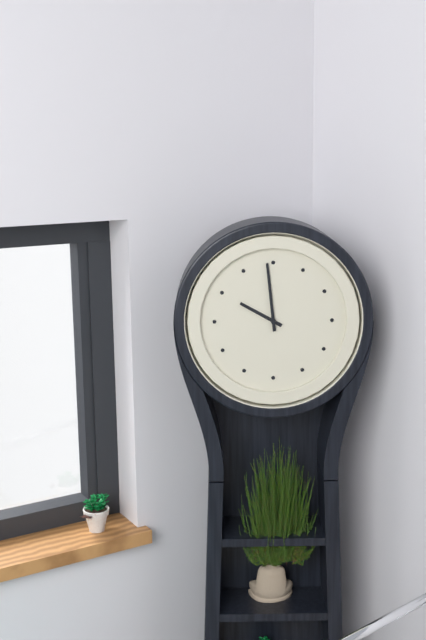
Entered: {"hour": 9, "minute": 59}
